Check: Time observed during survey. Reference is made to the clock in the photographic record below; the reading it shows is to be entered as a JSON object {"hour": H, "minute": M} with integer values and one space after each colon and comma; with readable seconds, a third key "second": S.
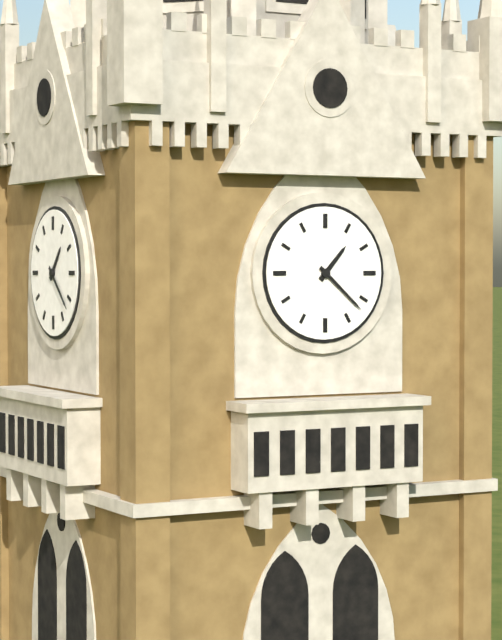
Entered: {"hour": 1, "minute": 22}
